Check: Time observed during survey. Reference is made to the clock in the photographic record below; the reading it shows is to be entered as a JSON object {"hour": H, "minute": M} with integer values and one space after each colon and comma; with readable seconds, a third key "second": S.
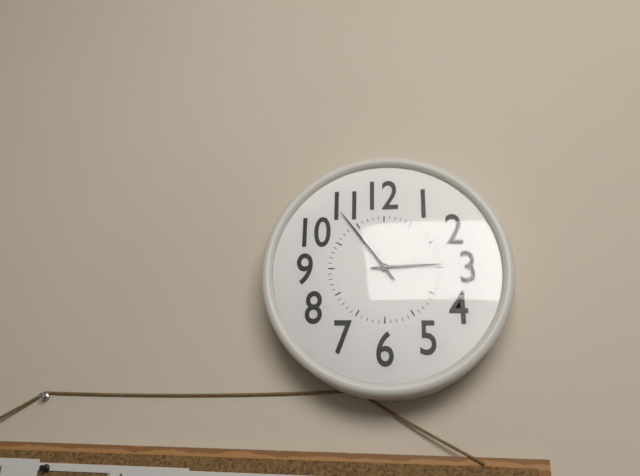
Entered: {"hour": 2, "minute": 54}
